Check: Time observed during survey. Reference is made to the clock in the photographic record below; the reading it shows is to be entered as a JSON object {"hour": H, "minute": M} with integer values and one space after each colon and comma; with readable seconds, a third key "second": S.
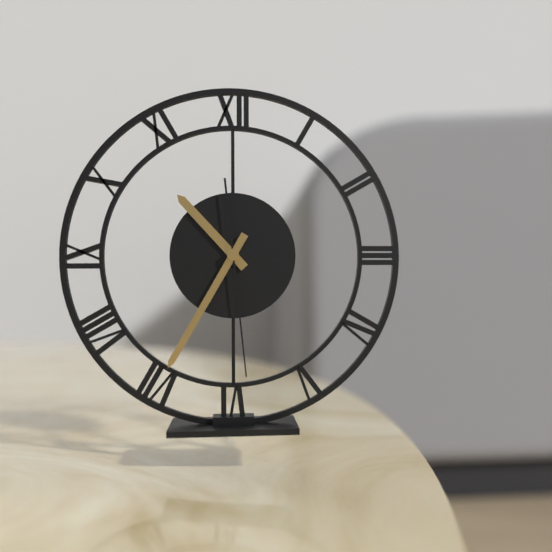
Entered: {"hour": 10, "minute": 35, "second": 29}
